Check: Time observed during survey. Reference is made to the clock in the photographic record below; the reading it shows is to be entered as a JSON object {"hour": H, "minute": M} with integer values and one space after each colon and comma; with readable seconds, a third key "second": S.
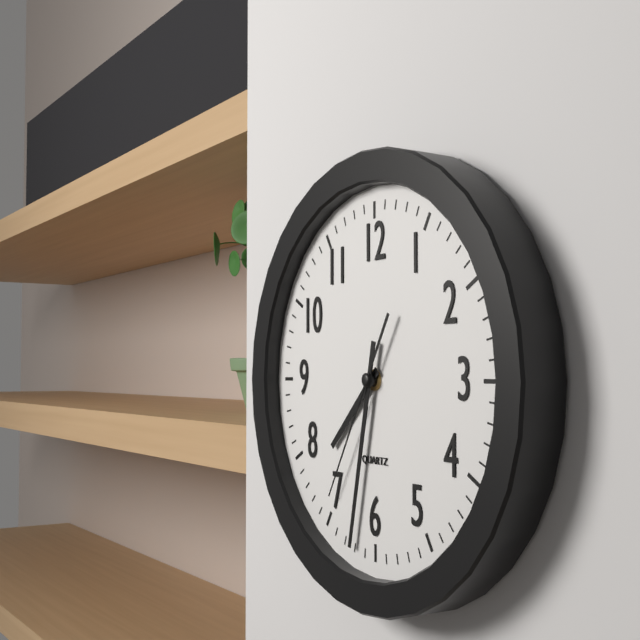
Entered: {"hour": 7, "minute": 32, "second": 35}
